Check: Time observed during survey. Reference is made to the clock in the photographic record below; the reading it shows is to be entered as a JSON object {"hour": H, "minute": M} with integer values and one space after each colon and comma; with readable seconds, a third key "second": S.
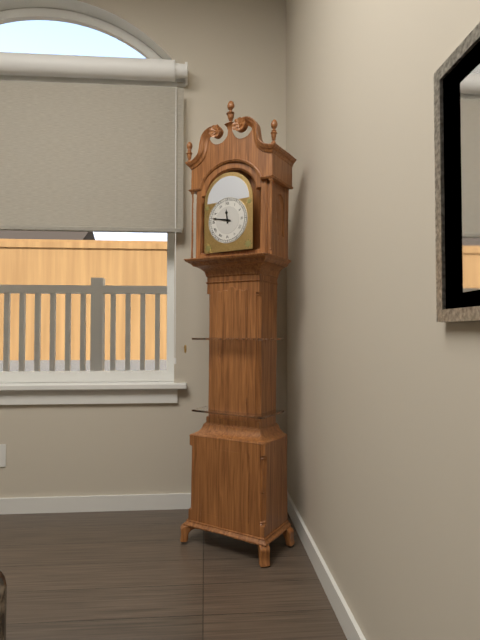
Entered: {"hour": 11, "minute": 47}
